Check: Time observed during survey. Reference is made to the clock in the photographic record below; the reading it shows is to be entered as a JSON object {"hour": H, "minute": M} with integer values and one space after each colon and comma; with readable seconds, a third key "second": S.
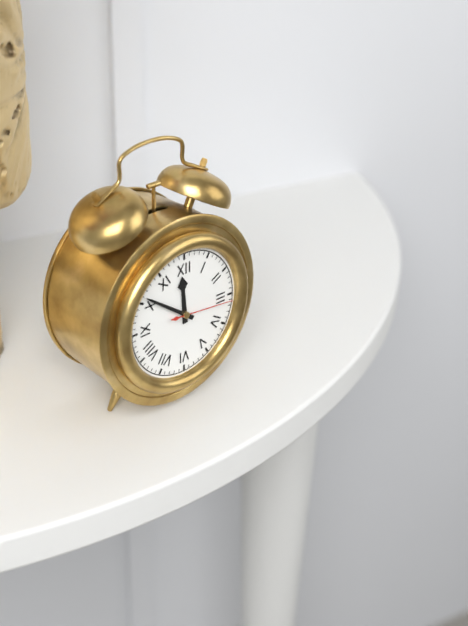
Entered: {"hour": 11, "minute": 51, "second": 16}
